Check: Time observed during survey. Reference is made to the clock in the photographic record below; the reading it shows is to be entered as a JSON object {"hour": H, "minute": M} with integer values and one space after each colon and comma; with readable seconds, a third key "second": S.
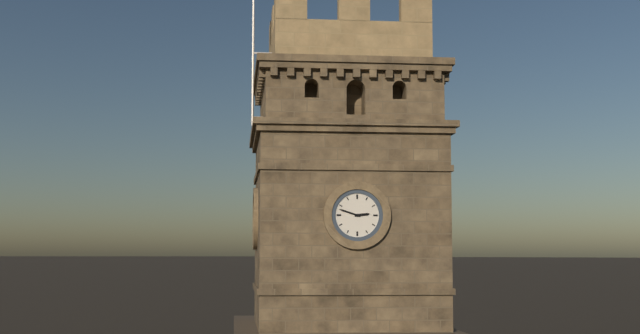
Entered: {"hour": 2, "minute": 48}
